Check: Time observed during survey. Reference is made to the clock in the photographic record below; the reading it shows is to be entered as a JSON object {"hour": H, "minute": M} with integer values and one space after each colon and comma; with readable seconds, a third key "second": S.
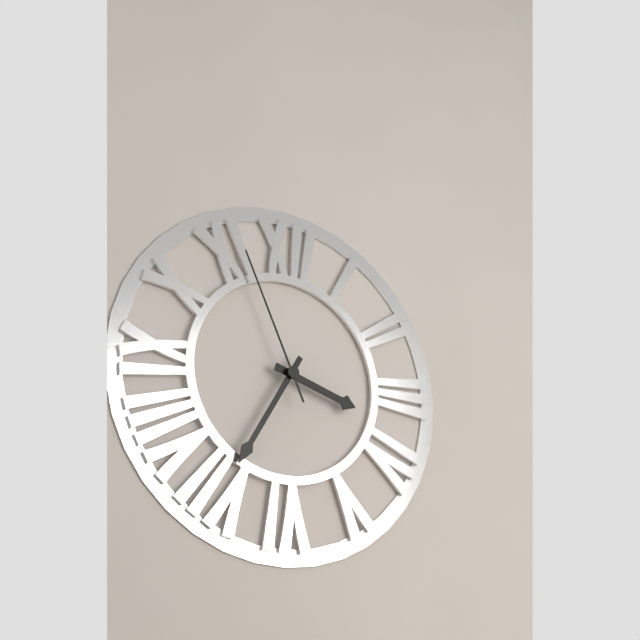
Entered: {"hour": 3, "minute": 35, "second": 56}
